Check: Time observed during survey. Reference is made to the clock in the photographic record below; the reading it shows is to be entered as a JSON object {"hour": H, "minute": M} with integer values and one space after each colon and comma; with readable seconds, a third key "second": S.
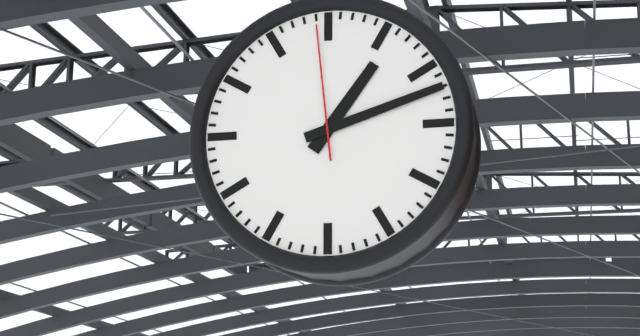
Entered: {"hour": 1, "minute": 12, "second": 59}
